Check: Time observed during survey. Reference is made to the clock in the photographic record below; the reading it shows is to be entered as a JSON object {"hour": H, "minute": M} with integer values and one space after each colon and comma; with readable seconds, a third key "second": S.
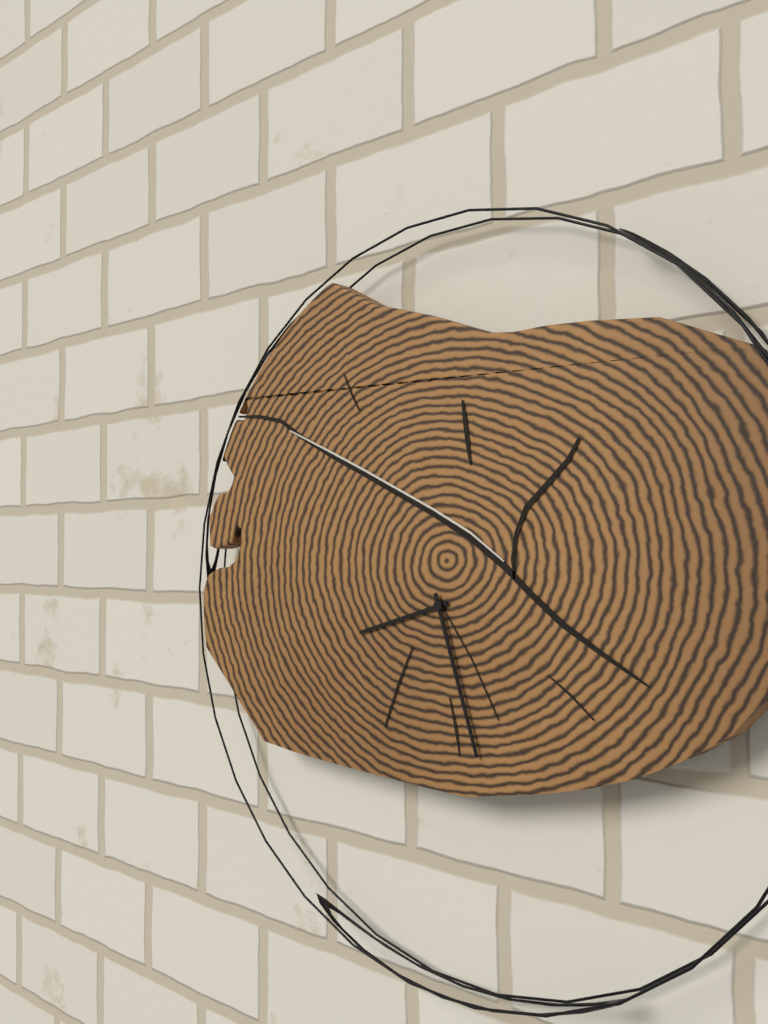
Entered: {"hour": 8, "minute": 27}
